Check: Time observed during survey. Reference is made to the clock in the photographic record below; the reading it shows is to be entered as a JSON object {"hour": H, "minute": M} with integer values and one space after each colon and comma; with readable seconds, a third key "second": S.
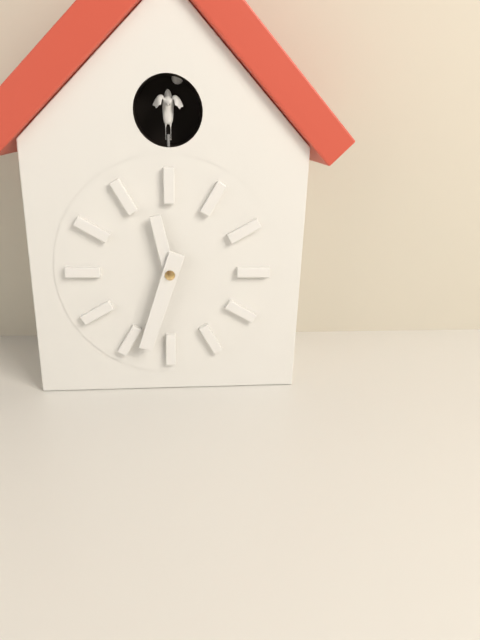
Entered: {"hour": 11, "minute": 33}
